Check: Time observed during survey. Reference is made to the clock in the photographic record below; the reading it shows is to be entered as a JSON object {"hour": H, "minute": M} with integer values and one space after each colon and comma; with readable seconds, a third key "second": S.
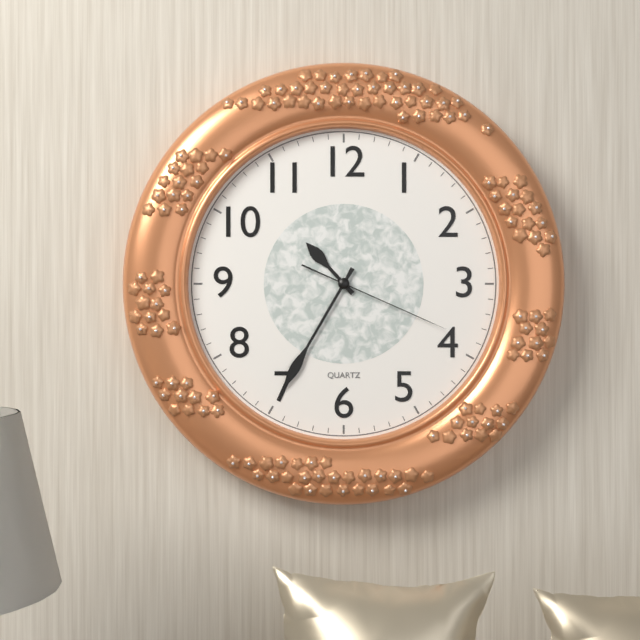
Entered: {"hour": 10, "minute": 35, "second": 19}
